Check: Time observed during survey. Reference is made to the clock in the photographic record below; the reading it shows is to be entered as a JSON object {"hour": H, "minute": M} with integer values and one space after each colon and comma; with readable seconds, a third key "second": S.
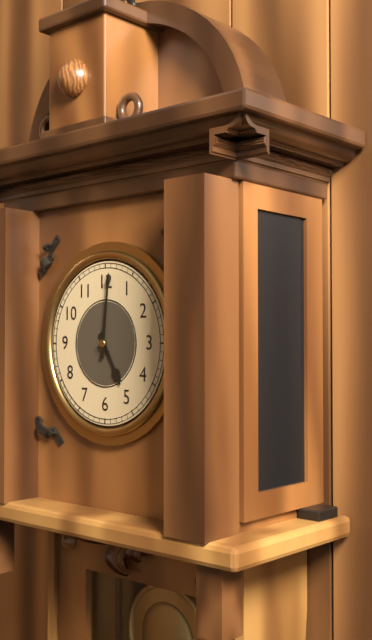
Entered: {"hour": 5, "minute": 1}
